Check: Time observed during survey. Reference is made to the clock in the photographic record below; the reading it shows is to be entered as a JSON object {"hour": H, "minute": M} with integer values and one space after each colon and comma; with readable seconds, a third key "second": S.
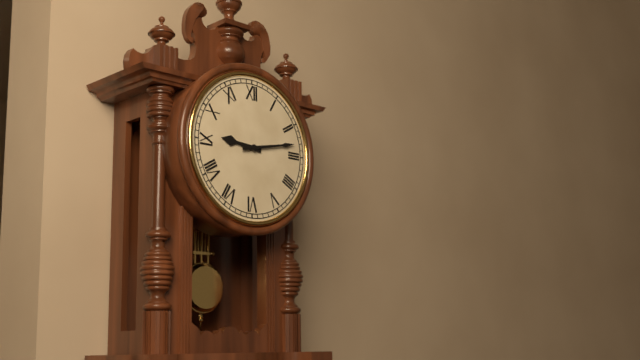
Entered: {"hour": 9, "minute": 13}
